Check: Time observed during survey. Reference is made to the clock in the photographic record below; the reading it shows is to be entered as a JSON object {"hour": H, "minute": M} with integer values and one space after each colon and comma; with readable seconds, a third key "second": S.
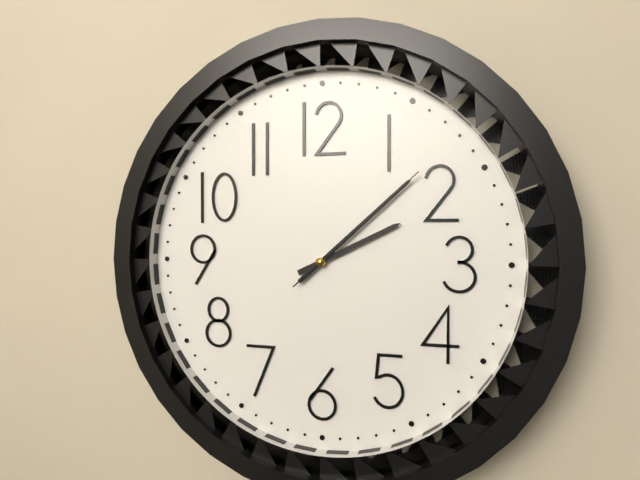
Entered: {"hour": 2, "minute": 8, "second": 8}
